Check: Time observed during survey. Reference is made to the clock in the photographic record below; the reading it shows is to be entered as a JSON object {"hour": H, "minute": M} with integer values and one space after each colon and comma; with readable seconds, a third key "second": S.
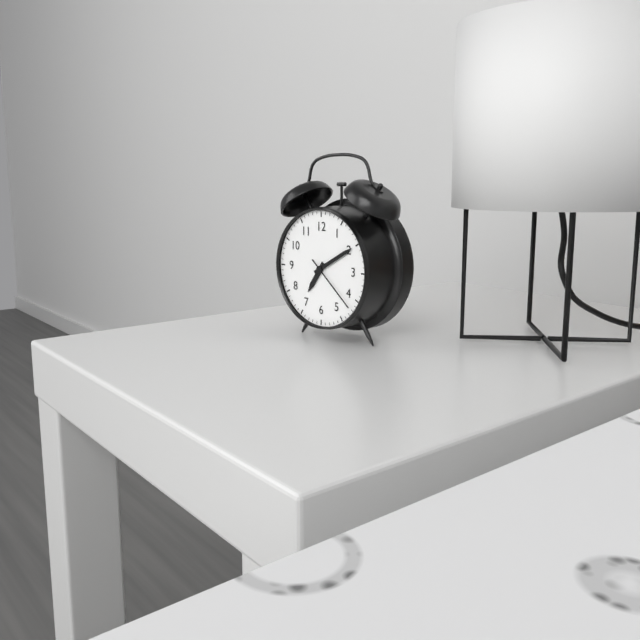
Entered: {"hour": 7, "minute": 10, "second": 22}
